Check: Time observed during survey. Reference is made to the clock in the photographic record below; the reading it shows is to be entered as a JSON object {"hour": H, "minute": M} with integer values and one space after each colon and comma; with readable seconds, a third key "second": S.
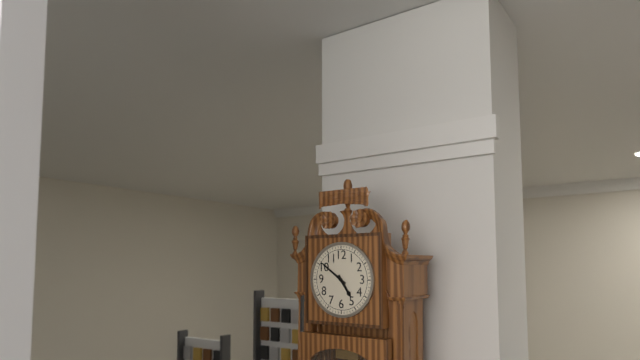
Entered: {"hour": 4, "minute": 51}
